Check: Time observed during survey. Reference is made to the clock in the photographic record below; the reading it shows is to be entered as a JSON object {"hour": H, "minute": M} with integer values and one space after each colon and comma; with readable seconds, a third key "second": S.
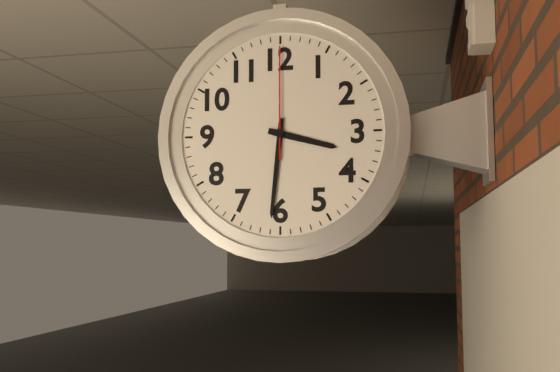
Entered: {"hour": 3, "minute": 31, "second": 0}
